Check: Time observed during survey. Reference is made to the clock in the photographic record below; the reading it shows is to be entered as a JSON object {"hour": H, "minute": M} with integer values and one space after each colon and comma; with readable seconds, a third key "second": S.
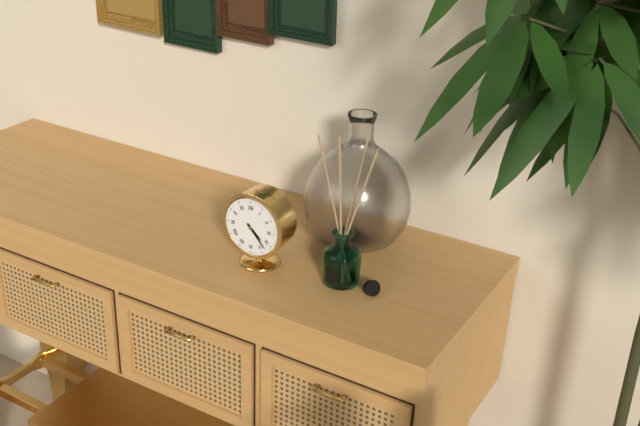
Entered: {"hour": 4, "minute": 23}
